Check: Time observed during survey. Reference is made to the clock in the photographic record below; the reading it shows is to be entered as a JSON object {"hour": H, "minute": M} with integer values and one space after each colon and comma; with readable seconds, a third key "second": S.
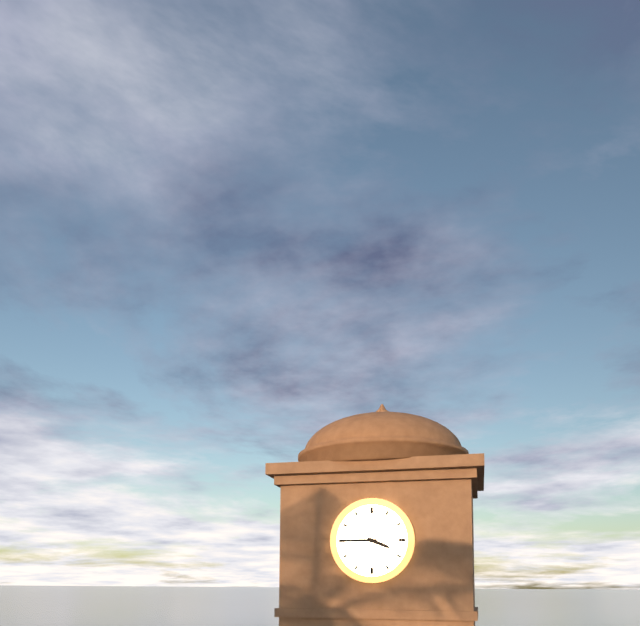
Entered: {"hour": 3, "minute": 45}
